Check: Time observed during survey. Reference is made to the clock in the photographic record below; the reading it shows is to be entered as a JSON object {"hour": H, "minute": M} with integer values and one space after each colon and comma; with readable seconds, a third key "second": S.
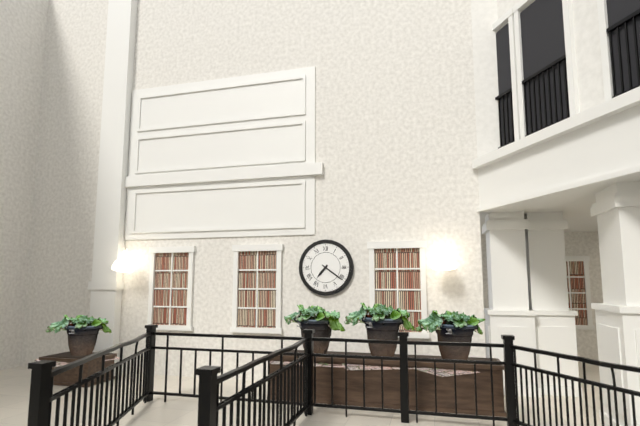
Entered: {"hour": 7, "minute": 21}
